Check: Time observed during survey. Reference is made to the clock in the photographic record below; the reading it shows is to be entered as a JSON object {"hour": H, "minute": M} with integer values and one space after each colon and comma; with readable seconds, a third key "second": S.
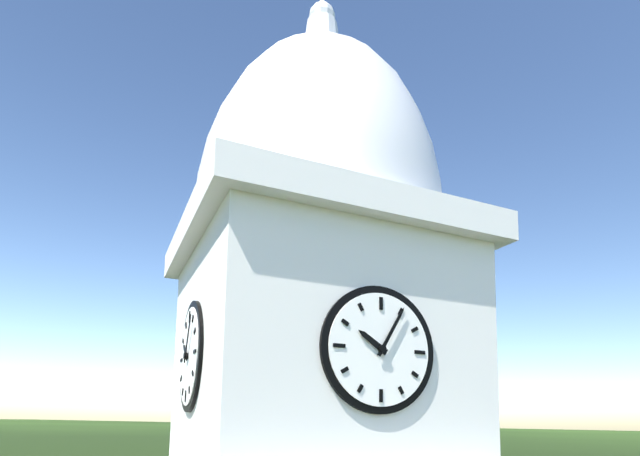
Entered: {"hour": 10, "minute": 5}
